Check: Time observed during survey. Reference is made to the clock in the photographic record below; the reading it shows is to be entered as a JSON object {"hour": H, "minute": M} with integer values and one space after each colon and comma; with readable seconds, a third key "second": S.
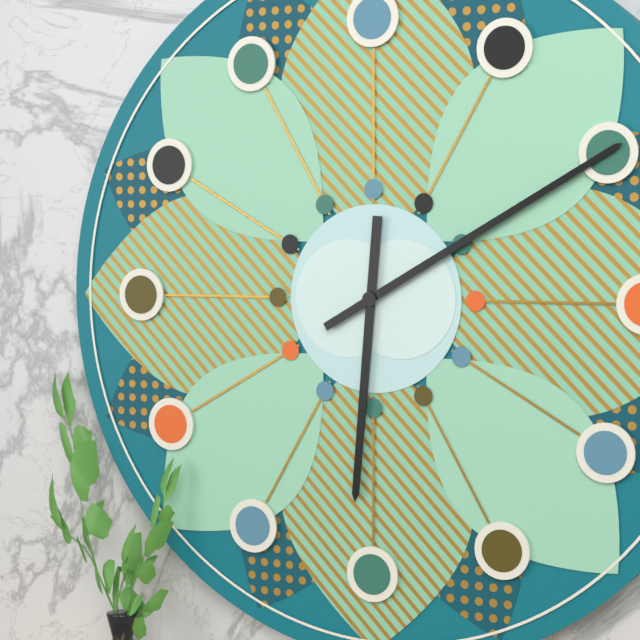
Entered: {"hour": 6, "minute": 10}
